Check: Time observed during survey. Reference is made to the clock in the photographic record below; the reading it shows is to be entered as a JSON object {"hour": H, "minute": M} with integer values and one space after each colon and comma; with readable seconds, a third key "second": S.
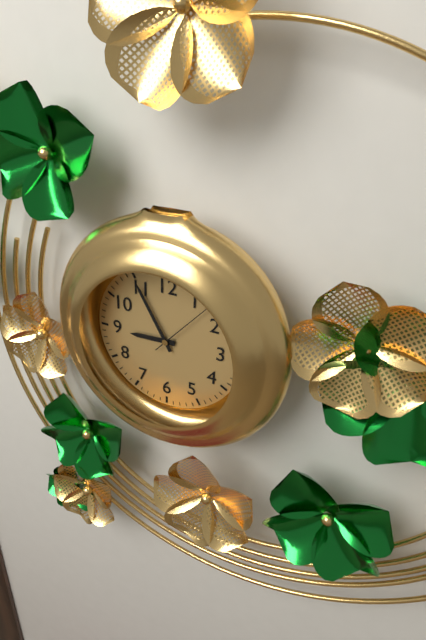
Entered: {"hour": 8, "minute": 55, "second": 7}
